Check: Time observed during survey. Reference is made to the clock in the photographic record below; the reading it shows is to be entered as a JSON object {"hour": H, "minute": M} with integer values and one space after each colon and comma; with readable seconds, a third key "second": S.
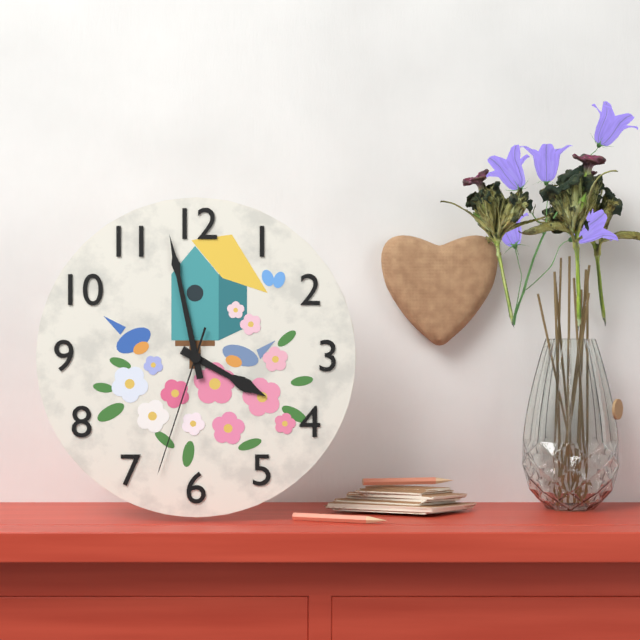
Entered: {"hour": 3, "minute": 58, "second": 33}
